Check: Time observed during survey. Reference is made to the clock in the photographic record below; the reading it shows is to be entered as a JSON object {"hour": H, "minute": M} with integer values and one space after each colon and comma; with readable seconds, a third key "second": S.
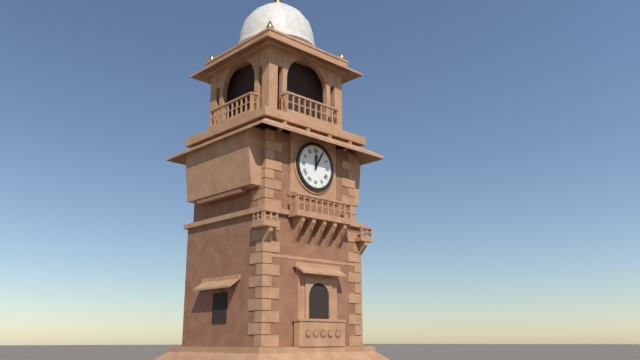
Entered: {"hour": 12, "minute": 5}
